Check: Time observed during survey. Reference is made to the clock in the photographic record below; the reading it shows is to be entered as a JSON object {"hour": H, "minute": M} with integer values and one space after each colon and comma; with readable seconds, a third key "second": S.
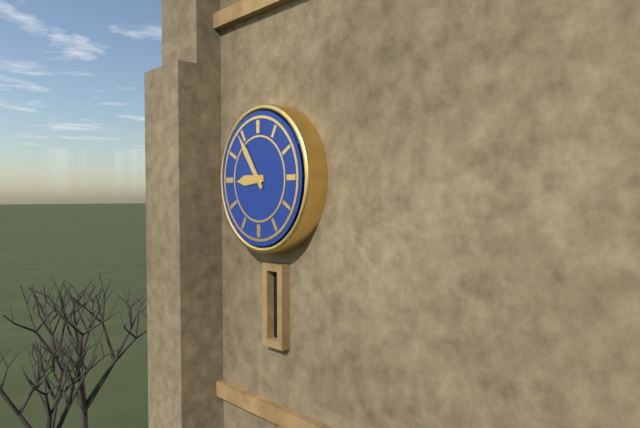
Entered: {"hour": 8, "minute": 54}
